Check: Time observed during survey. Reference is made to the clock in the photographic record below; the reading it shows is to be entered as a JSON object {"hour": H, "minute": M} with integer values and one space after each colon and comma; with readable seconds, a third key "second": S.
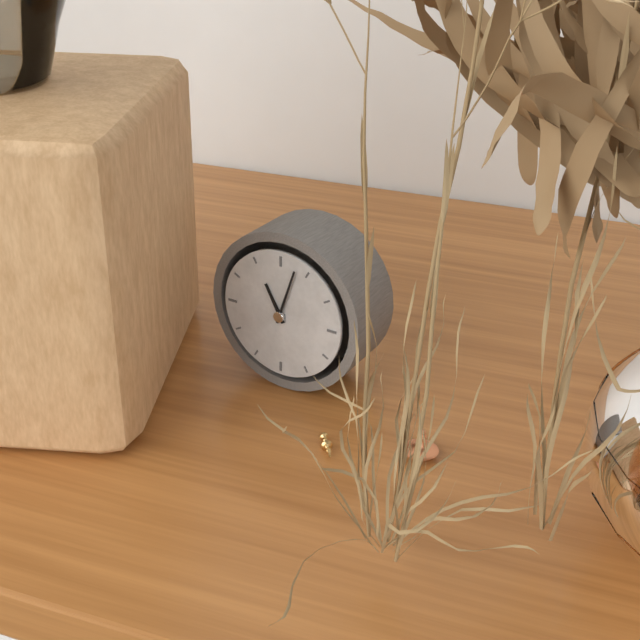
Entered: {"hour": 11, "minute": 3}
